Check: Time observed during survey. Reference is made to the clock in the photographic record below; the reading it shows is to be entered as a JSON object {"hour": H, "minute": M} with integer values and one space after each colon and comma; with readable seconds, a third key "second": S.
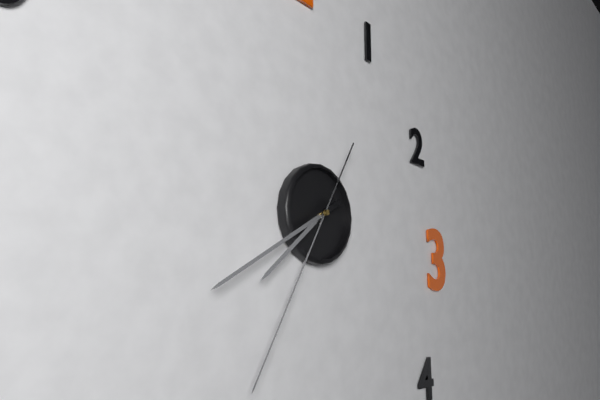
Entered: {"hour": 7, "minute": 40, "second": 35}
